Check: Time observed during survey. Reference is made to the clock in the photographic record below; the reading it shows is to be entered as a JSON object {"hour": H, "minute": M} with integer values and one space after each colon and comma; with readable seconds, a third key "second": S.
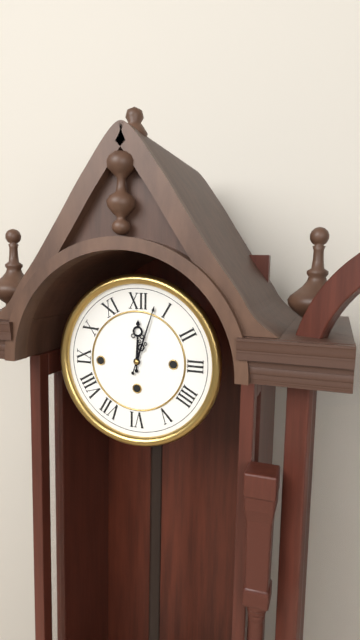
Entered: {"hour": 12, "minute": 3}
